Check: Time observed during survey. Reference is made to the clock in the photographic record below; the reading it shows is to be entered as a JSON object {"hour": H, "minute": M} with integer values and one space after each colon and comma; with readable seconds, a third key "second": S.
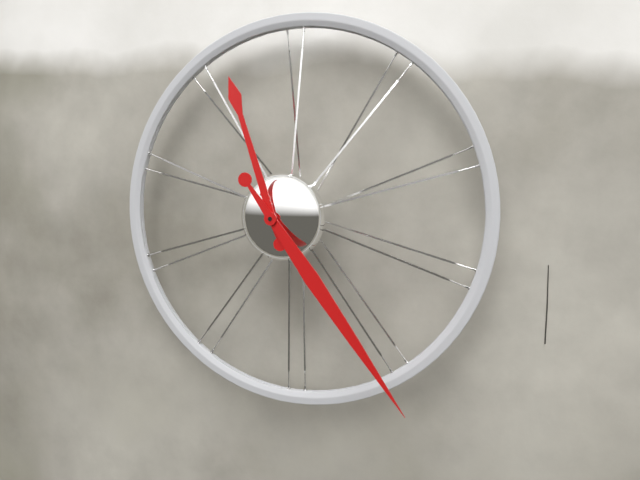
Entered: {"hour": 11, "minute": 24}
